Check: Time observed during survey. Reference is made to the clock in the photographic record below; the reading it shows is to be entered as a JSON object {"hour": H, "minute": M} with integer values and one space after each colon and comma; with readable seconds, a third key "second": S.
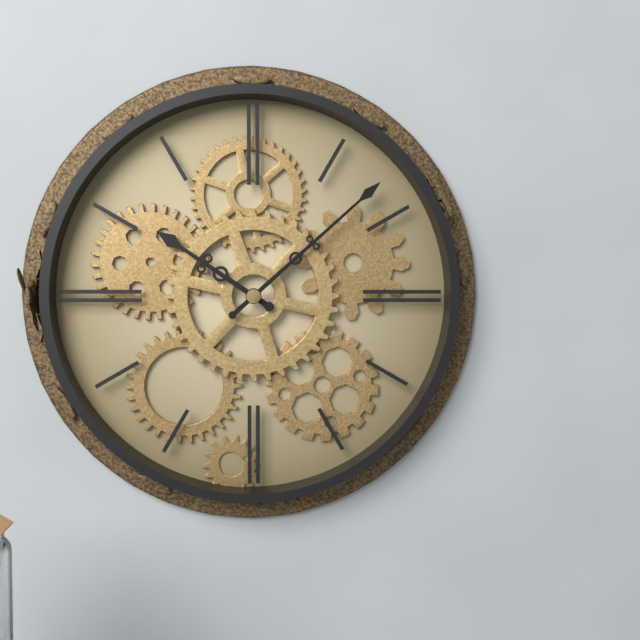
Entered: {"hour": 10, "minute": 8}
